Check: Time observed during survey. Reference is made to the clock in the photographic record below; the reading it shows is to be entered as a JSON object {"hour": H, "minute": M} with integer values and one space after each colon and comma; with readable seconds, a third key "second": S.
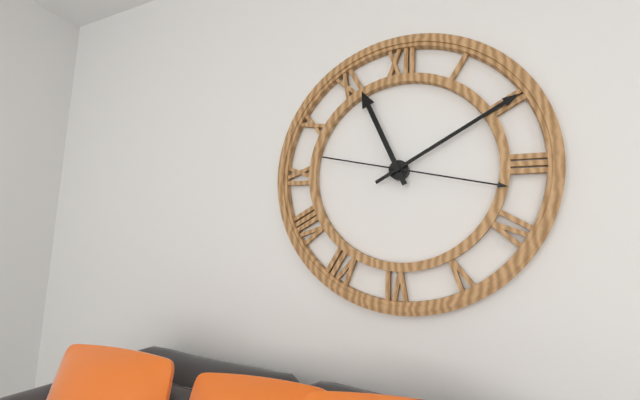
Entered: {"hour": 11, "minute": 10, "second": 17}
